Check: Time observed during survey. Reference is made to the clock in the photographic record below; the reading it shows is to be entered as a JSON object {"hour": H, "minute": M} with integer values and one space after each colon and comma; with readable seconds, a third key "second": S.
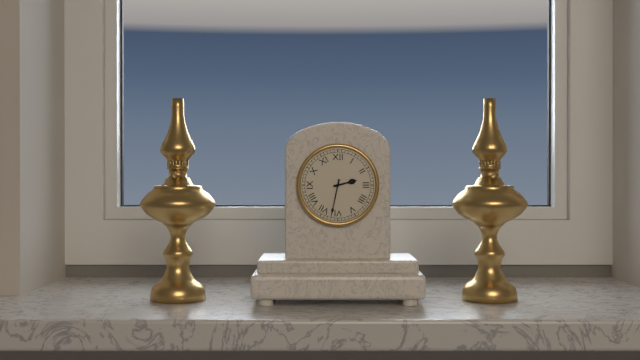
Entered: {"hour": 2, "minute": 32}
